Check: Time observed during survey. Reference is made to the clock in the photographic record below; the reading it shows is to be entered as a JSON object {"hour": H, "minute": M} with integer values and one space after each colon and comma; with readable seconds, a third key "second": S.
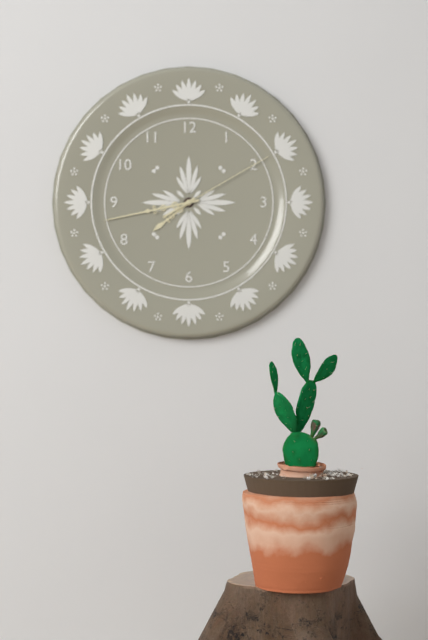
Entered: {"hour": 7, "minute": 43, "second": 10}
